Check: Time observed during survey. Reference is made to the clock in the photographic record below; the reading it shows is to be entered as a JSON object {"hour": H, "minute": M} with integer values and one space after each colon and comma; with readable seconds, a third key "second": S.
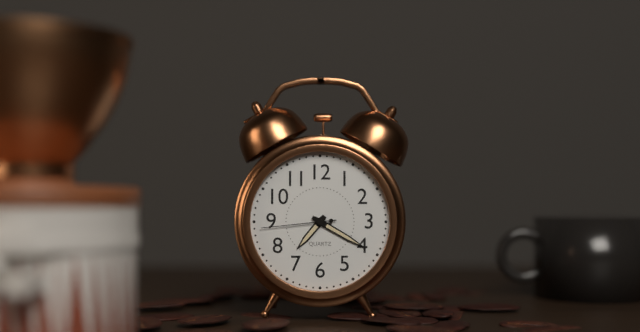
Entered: {"hour": 7, "minute": 20, "second": 44}
